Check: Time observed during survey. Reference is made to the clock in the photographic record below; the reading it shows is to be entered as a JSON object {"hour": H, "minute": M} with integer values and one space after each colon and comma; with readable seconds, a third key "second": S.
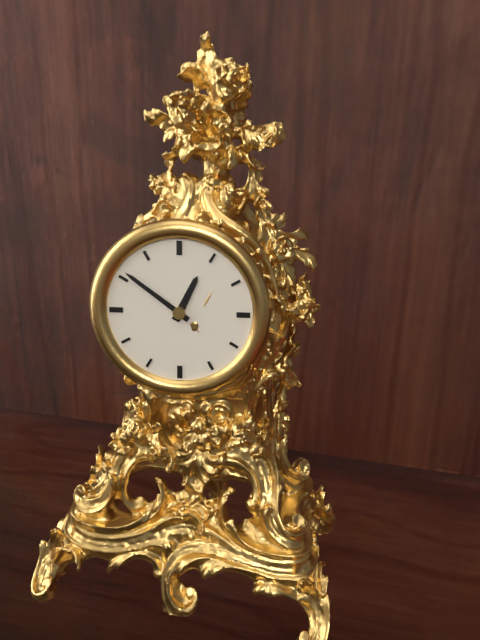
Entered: {"hour": 12, "minute": 51}
